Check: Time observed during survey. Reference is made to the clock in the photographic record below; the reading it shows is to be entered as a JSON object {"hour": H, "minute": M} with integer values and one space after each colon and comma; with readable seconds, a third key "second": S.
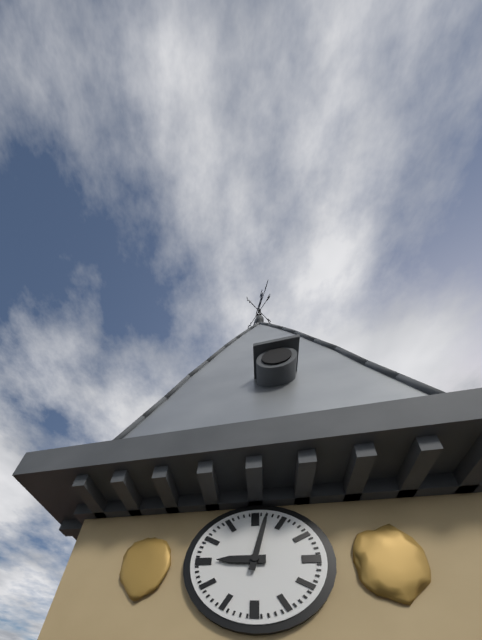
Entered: {"hour": 9, "minute": 2}
